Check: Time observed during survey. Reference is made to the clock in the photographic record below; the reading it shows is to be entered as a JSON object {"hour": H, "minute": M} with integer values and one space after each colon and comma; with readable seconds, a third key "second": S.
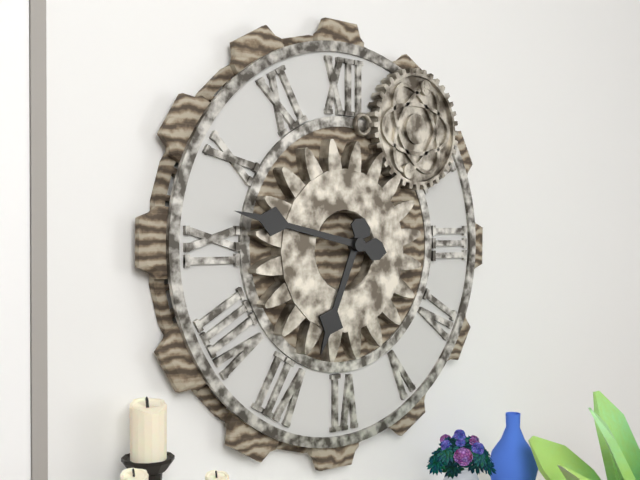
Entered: {"hour": 6, "minute": 47}
